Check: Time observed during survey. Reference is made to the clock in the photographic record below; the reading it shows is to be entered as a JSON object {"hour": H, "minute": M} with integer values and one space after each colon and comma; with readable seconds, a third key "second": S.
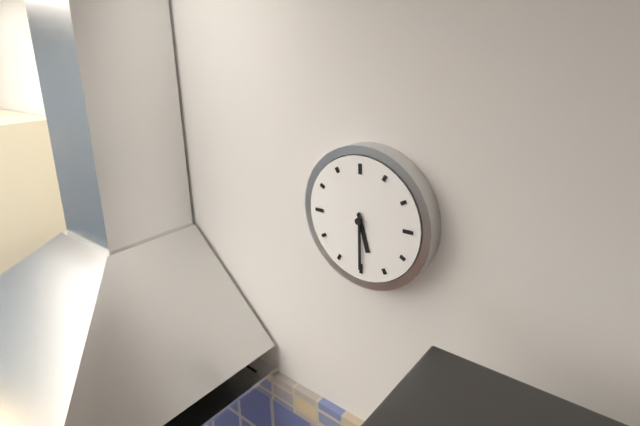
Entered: {"hour": 5, "minute": 30}
